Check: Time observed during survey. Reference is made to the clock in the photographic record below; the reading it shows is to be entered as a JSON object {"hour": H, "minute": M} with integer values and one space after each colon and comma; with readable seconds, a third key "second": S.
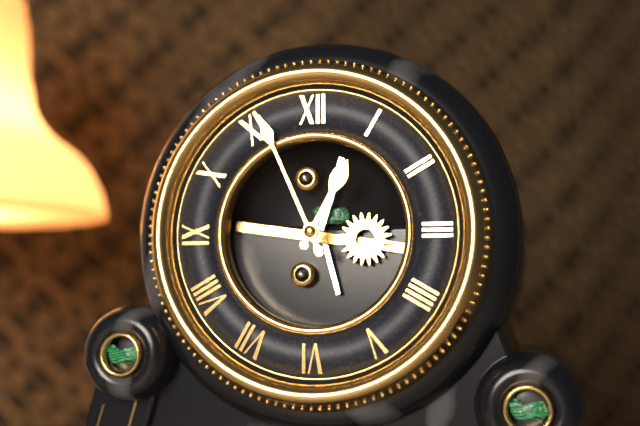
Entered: {"hour": 12, "minute": 56}
